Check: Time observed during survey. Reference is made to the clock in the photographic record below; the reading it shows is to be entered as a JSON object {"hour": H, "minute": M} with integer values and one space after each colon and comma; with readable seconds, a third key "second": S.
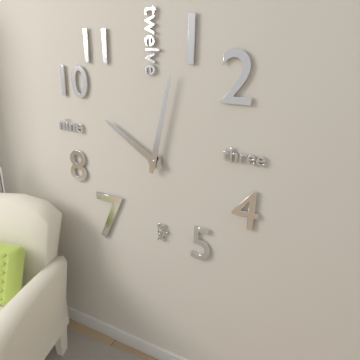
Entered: {"hour": 10, "minute": 2}
